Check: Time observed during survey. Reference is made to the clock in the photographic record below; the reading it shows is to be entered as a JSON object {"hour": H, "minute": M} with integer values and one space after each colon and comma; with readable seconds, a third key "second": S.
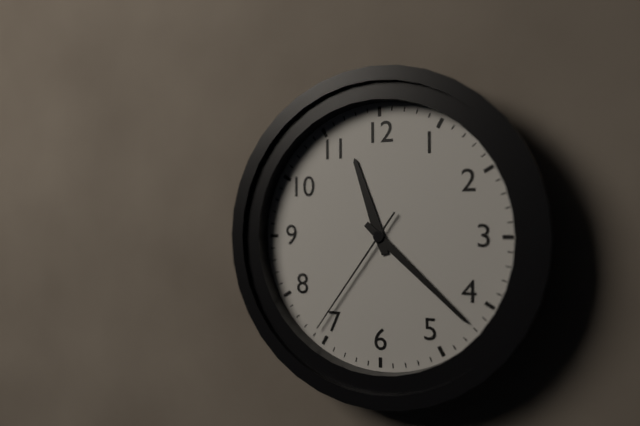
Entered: {"hour": 11, "minute": 22, "second": 36}
